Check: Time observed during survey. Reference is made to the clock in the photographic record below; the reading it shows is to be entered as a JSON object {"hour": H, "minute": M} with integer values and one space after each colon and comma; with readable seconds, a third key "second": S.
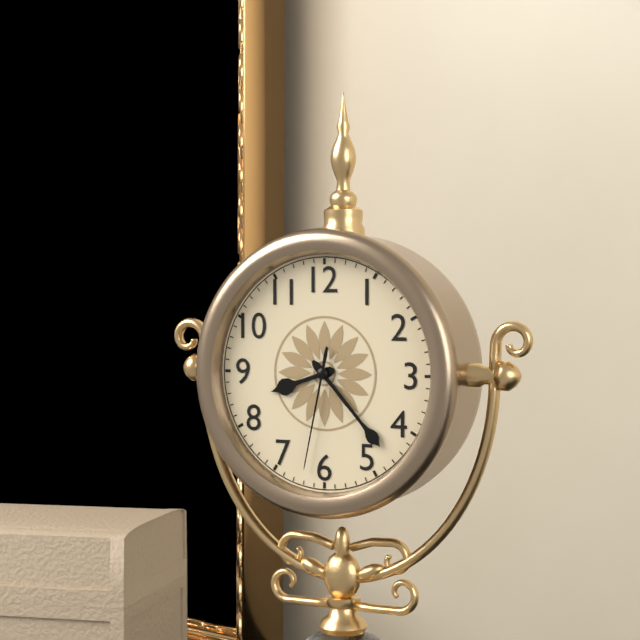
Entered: {"hour": 8, "minute": 23, "second": 32}
